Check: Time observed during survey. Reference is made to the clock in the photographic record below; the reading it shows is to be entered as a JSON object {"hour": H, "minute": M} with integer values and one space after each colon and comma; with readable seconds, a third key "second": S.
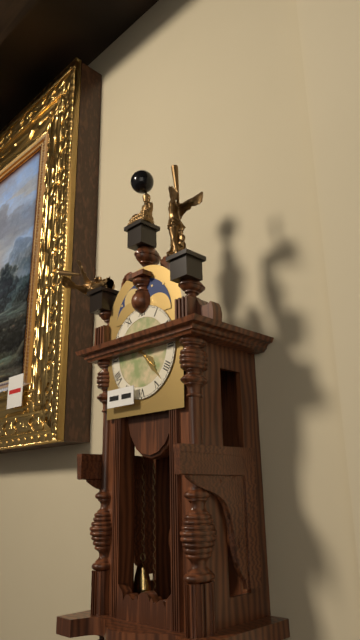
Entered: {"hour": 4, "minute": 23}
